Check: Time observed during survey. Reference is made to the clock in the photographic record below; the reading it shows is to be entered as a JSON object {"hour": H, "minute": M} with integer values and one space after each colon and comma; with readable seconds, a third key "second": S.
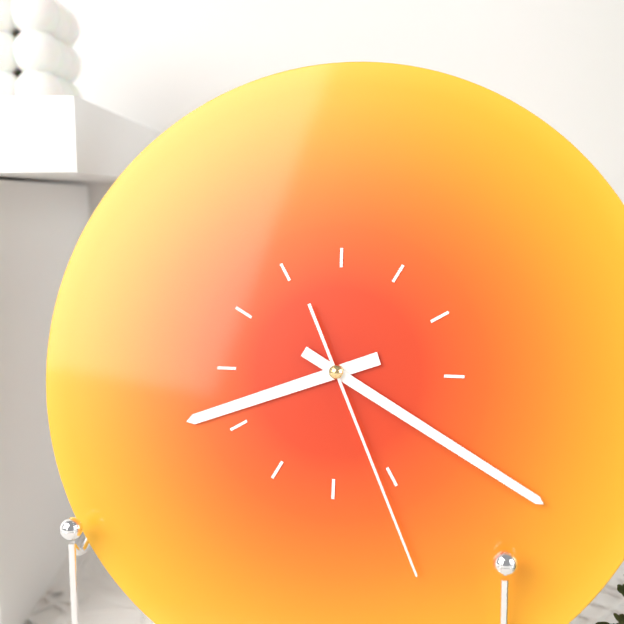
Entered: {"hour": 8, "minute": 20, "second": 26}
